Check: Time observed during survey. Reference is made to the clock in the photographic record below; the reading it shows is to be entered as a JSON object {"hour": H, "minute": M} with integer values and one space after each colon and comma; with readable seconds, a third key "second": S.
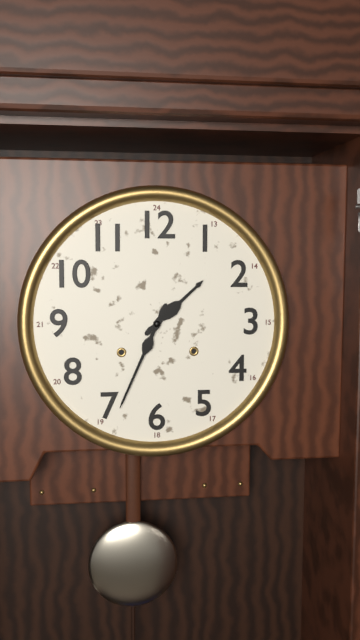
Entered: {"hour": 1, "minute": 34}
